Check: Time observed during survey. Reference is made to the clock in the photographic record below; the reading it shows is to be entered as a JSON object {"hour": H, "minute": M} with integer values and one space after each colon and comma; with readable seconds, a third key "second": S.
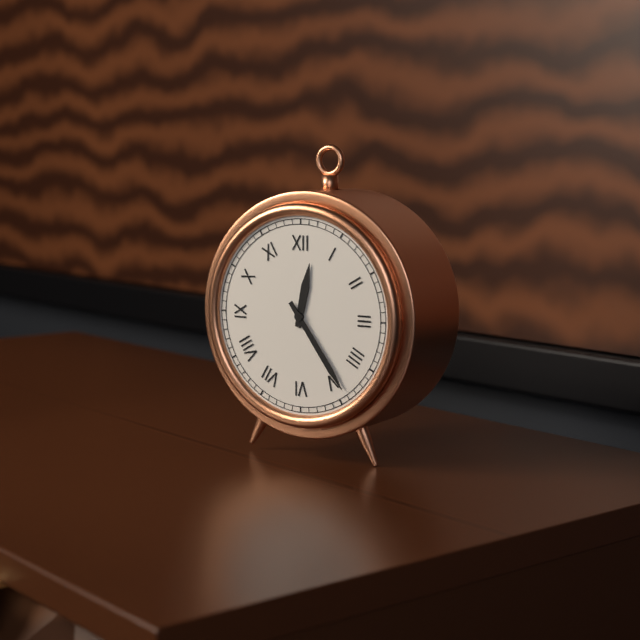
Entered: {"hour": 12, "minute": 24}
